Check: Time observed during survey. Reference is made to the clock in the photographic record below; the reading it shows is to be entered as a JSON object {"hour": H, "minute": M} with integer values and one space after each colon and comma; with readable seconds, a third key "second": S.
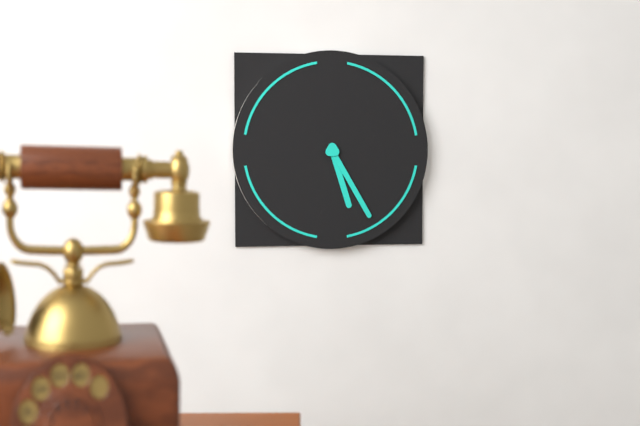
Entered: {"hour": 5, "minute": 25}
